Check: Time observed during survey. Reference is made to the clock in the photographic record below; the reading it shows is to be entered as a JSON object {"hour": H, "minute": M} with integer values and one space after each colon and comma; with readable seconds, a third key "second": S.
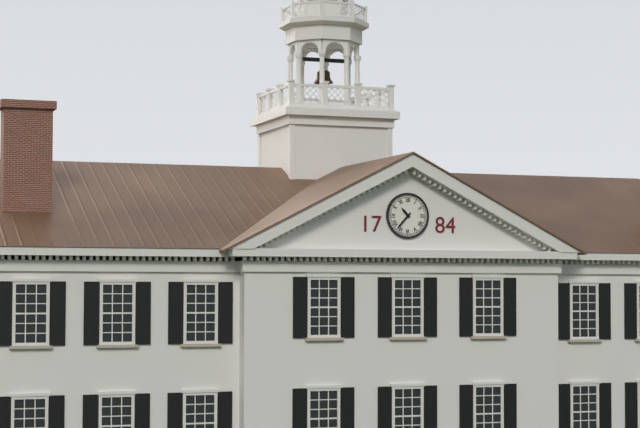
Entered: {"hour": 10, "minute": 37}
